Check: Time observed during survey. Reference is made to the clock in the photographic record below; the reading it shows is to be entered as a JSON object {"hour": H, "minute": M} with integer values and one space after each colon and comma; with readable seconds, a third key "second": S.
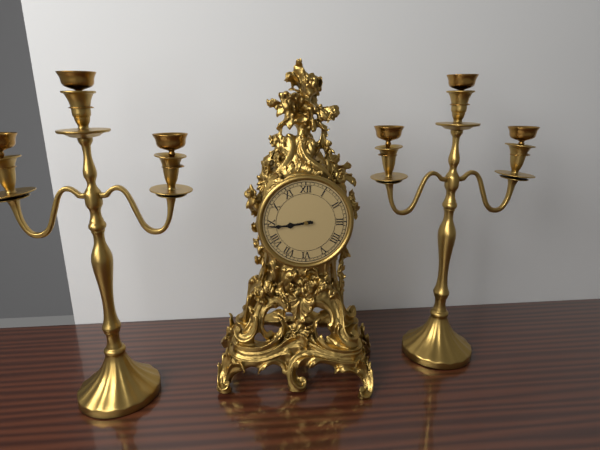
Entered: {"hour": 8, "minute": 44}
